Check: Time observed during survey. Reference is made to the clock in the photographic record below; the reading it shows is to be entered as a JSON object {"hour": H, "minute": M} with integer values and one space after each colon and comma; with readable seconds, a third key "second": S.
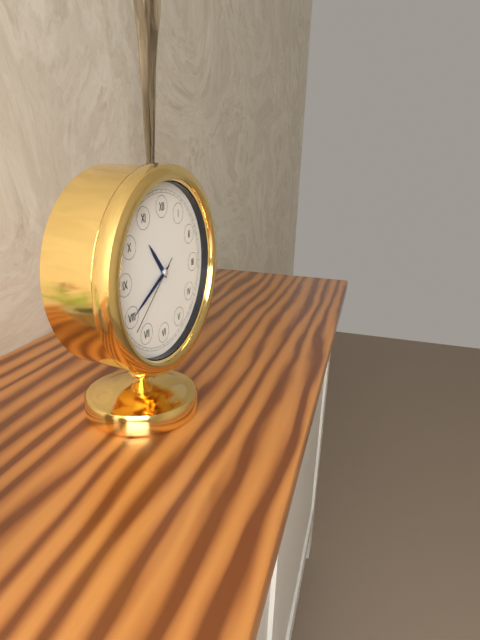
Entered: {"hour": 10, "minute": 40, "second": 38}
